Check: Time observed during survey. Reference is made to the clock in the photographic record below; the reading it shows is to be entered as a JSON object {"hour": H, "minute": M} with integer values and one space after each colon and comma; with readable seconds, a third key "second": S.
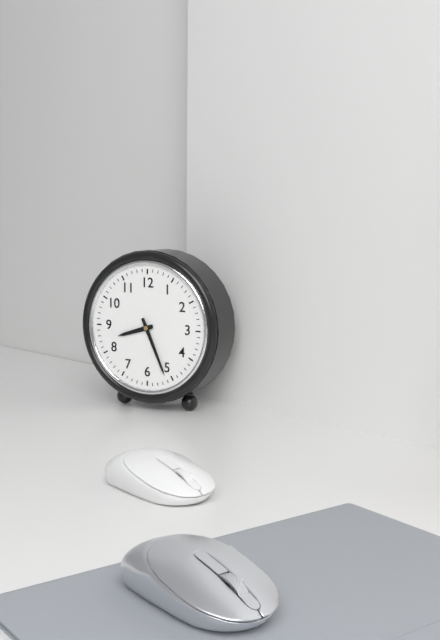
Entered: {"hour": 8, "minute": 26}
